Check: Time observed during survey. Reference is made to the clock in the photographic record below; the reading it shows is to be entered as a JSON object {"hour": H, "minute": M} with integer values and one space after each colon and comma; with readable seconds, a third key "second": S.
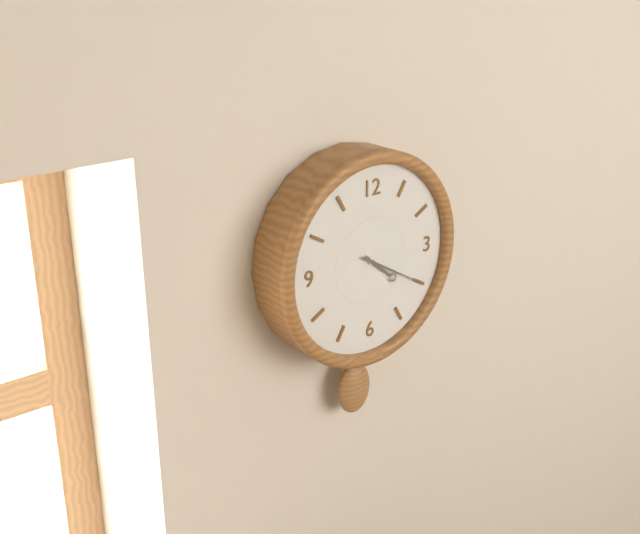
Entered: {"hour": 4, "minute": 20}
